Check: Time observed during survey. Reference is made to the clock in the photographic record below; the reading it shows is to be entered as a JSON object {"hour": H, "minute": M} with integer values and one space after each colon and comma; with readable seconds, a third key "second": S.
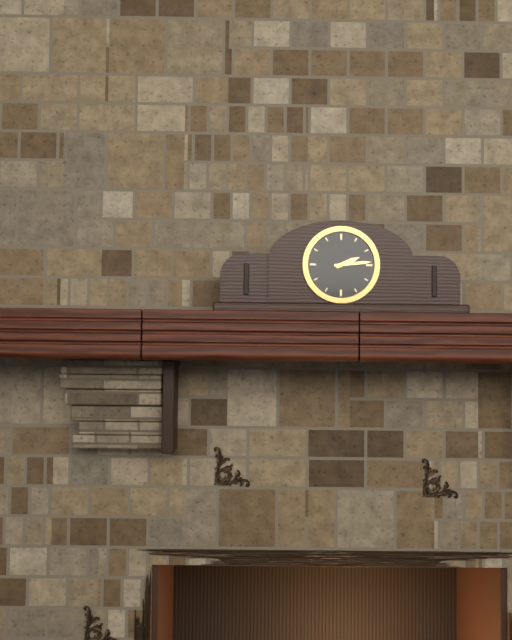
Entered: {"hour": 2, "minute": 14}
